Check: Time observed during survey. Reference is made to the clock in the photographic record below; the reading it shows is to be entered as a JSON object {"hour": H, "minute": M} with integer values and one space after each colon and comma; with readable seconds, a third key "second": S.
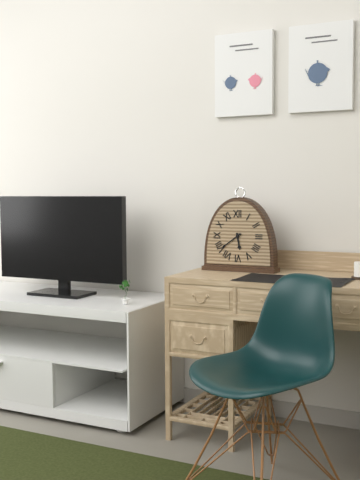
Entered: {"hour": 5, "minute": 39}
